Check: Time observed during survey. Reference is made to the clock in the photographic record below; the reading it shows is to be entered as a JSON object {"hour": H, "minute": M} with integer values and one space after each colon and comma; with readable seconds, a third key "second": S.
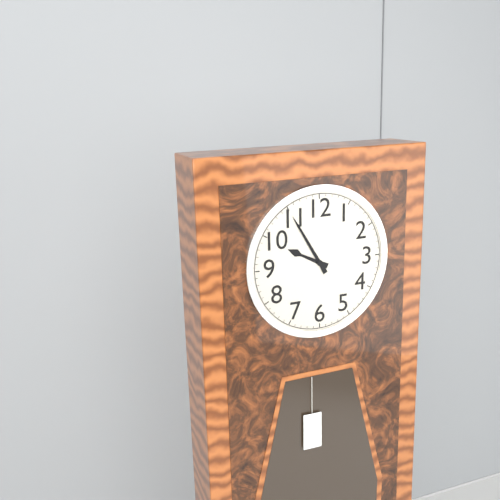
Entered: {"hour": 9, "minute": 55}
